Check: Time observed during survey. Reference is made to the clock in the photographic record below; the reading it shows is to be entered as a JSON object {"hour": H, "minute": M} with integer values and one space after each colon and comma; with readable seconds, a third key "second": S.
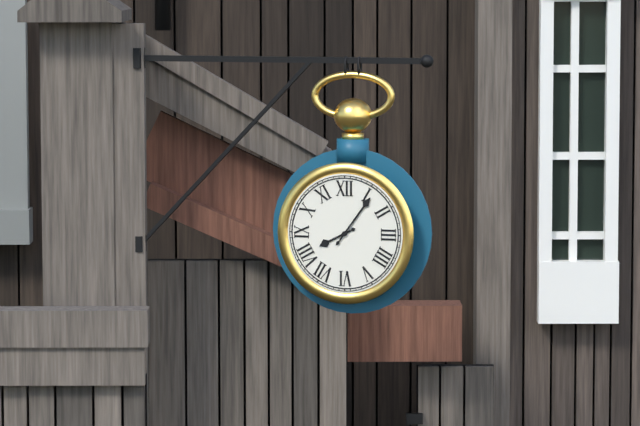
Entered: {"hour": 8, "minute": 6}
